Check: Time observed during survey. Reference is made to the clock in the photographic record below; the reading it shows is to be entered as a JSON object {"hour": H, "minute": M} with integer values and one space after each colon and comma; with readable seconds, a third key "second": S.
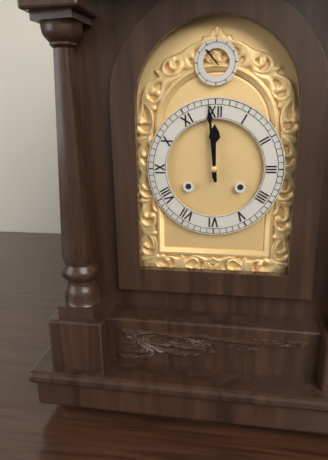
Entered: {"hour": 11, "minute": 59}
